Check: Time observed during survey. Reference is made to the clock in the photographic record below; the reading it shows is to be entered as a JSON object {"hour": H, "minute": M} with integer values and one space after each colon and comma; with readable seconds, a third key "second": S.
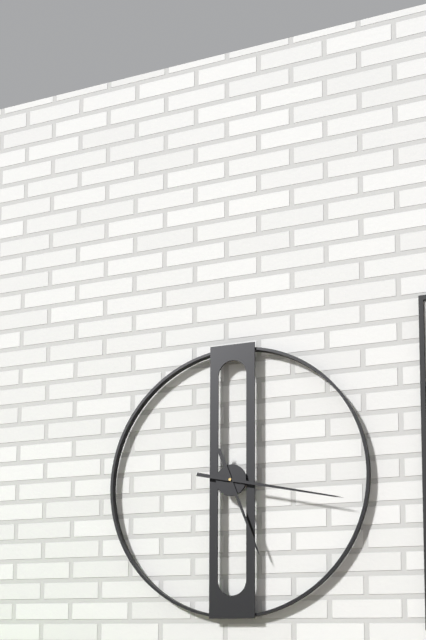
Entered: {"hour": 5, "minute": 17}
